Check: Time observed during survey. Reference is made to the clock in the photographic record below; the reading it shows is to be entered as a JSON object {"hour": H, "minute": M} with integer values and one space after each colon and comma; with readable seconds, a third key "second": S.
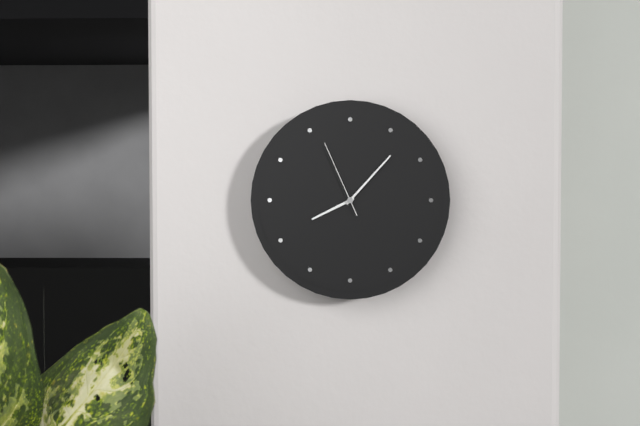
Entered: {"hour": 8, "minute": 7, "second": 56}
